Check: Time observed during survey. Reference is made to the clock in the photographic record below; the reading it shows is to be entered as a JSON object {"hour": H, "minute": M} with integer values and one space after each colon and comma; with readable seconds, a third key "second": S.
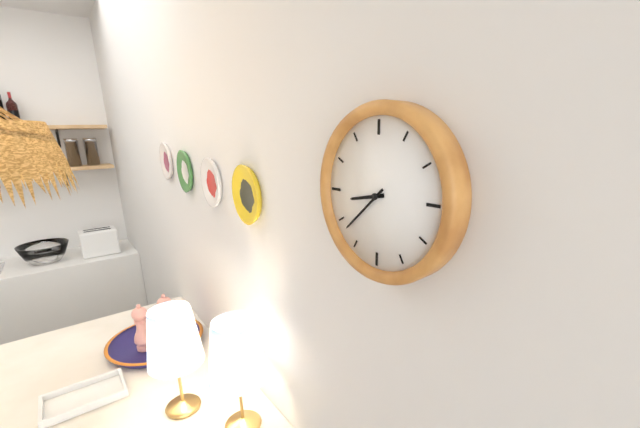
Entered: {"hour": 8, "minute": 38}
